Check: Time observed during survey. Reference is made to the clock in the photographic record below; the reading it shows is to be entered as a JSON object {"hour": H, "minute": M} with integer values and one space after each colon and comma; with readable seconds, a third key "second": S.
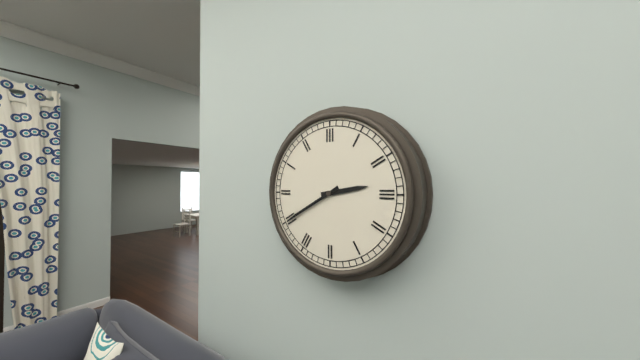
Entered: {"hour": 2, "minute": 40}
